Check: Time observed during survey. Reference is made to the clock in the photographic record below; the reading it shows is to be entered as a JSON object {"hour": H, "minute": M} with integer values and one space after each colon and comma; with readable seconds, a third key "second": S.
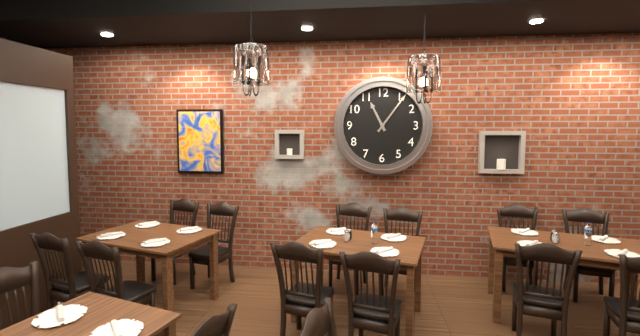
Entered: {"hour": 11, "minute": 6}
